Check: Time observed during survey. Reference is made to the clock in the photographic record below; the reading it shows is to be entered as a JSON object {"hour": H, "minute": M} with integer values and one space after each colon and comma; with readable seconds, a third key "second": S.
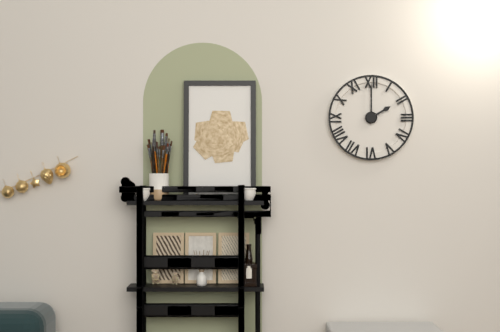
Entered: {"hour": 2, "minute": 0}
